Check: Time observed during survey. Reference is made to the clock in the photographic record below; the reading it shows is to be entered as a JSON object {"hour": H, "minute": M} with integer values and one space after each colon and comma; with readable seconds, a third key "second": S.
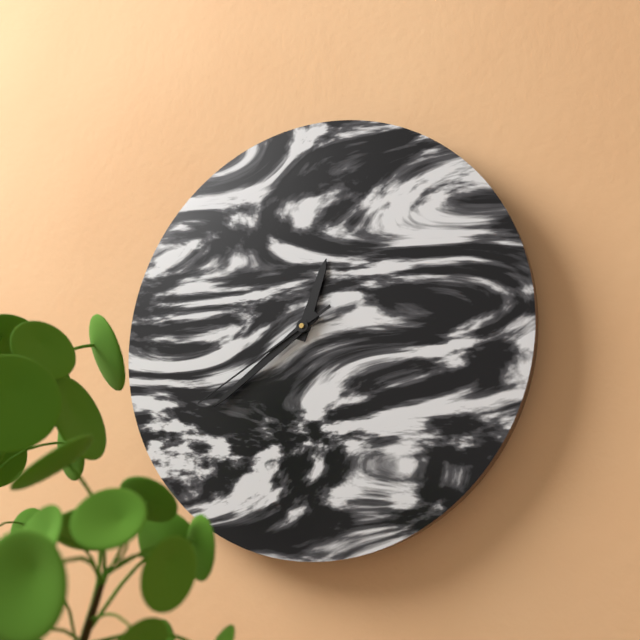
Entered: {"hour": 12, "minute": 39, "second": 40}
